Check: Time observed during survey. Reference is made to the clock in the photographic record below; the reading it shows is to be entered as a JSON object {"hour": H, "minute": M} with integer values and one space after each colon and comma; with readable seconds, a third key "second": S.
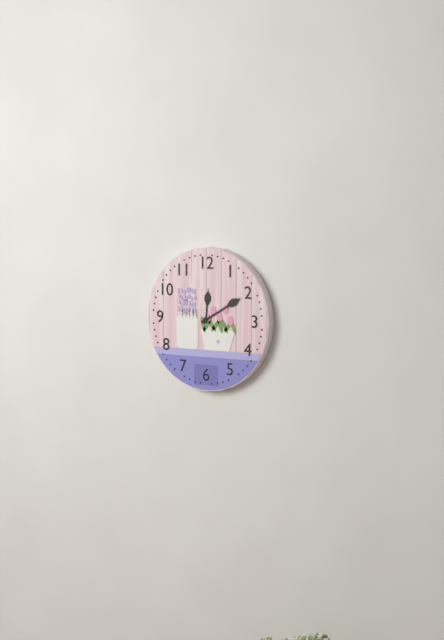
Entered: {"hour": 12, "minute": 10}
